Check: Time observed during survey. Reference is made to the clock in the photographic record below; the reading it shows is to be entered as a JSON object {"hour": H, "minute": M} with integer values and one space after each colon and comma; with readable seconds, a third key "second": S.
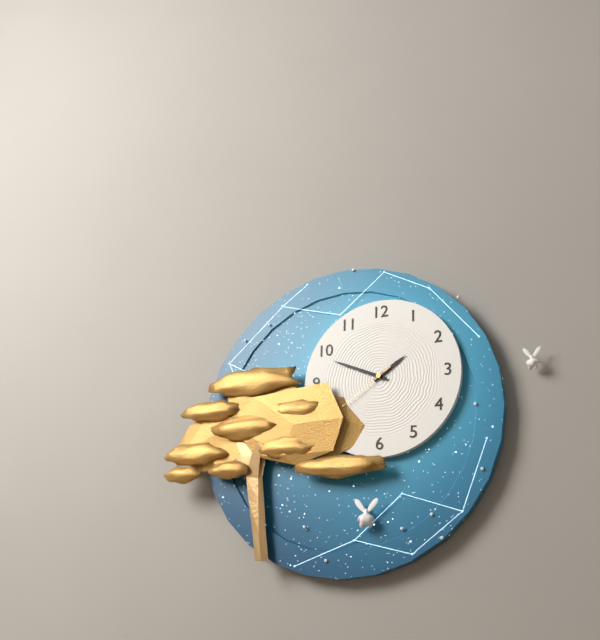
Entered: {"hour": 1, "minute": 49, "second": 39}
